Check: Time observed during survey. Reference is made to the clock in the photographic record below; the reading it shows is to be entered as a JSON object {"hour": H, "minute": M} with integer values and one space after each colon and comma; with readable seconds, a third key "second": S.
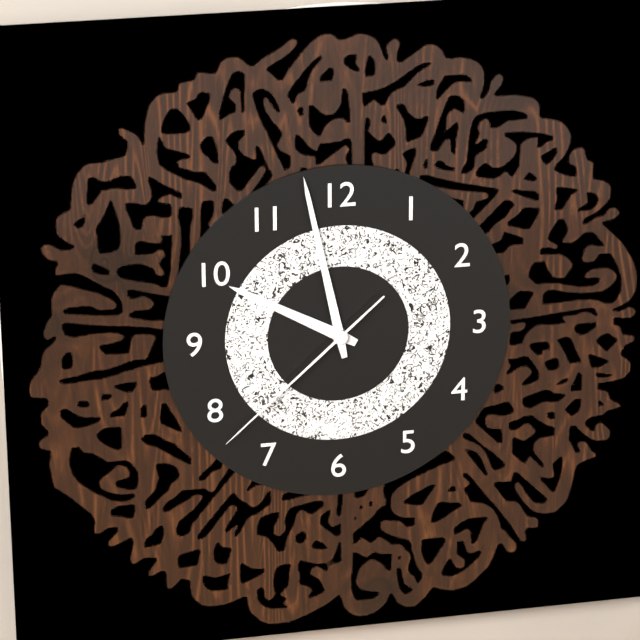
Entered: {"hour": 9, "minute": 58, "second": 38}
